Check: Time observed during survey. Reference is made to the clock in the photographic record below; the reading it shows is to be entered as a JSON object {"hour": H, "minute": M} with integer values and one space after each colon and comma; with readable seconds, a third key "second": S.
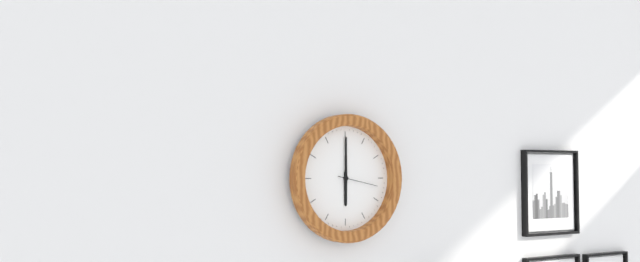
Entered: {"hour": 6, "minute": 0}
